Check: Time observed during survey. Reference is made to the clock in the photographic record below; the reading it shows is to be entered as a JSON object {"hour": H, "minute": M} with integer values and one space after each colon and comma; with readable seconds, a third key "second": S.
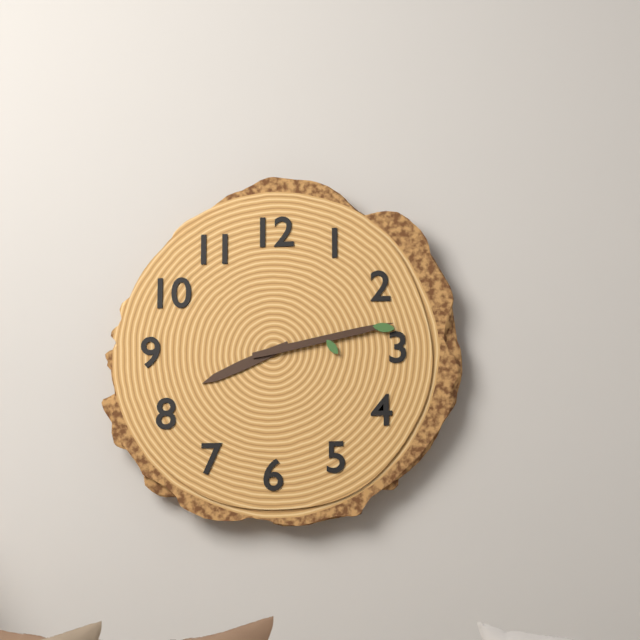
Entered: {"hour": 8, "minute": 13}
